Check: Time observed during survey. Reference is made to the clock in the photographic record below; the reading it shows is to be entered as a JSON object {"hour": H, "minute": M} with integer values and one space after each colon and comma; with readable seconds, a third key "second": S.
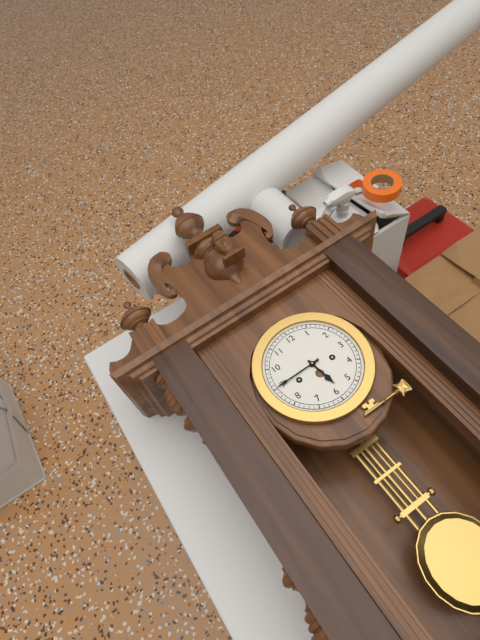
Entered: {"hour": 5, "minute": 45}
